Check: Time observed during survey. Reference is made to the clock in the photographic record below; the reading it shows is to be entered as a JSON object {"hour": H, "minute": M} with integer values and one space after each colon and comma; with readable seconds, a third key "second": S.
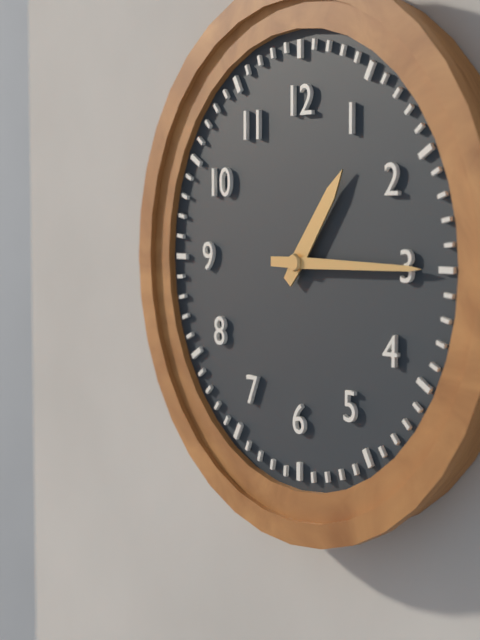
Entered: {"hour": 1, "minute": 15}
